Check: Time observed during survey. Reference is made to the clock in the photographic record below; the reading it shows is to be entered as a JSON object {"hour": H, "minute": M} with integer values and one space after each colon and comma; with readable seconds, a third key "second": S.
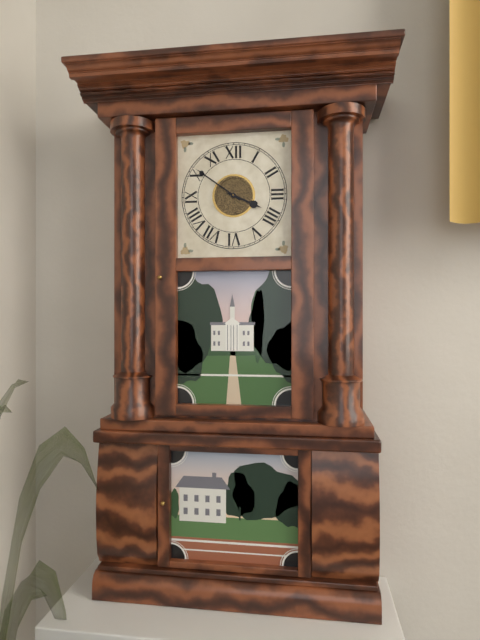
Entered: {"hour": 3, "minute": 51}
